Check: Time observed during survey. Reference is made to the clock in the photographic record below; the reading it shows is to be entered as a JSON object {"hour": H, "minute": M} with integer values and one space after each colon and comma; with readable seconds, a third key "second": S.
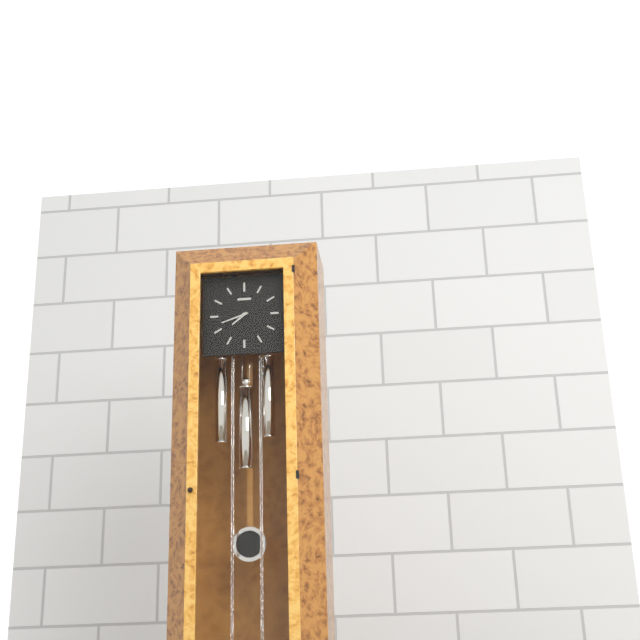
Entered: {"hour": 7, "minute": 42}
